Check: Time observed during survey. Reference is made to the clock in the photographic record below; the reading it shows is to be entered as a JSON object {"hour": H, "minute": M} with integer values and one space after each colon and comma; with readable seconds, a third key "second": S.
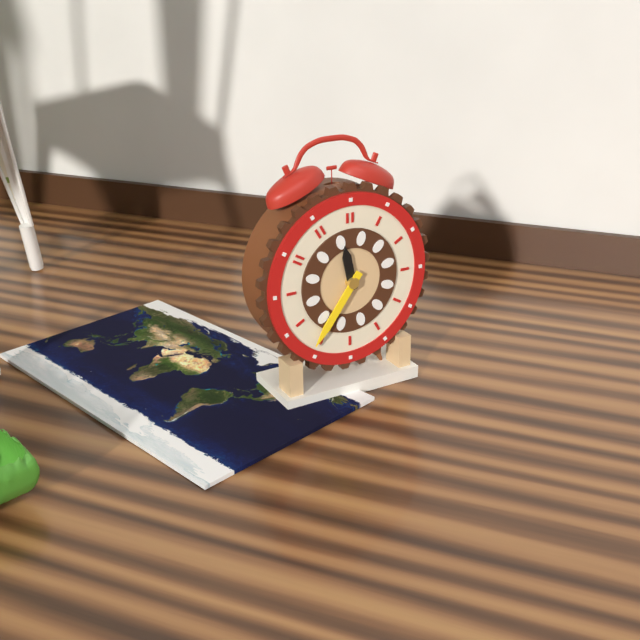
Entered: {"hour": 11, "minute": 36}
